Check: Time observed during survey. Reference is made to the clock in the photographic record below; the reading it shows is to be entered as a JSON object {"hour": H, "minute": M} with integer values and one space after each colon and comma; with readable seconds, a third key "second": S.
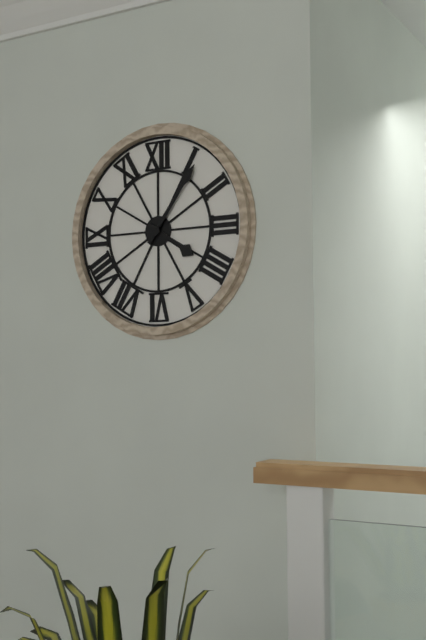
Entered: {"hour": 4, "minute": 6}
